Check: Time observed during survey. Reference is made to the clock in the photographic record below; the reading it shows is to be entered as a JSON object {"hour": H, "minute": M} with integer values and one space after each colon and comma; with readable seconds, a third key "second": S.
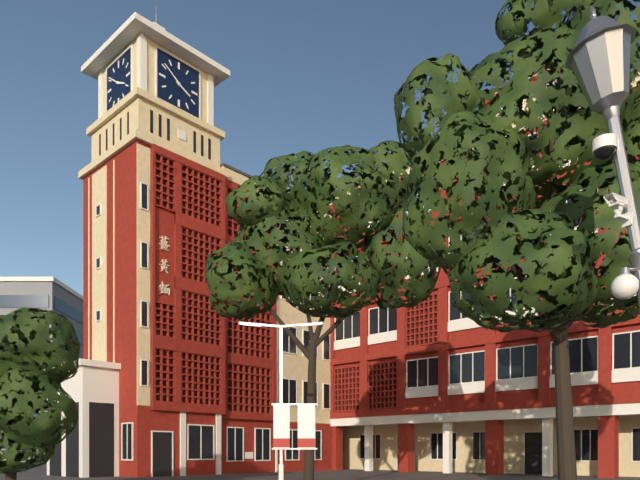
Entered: {"hour": 3, "minute": 51}
